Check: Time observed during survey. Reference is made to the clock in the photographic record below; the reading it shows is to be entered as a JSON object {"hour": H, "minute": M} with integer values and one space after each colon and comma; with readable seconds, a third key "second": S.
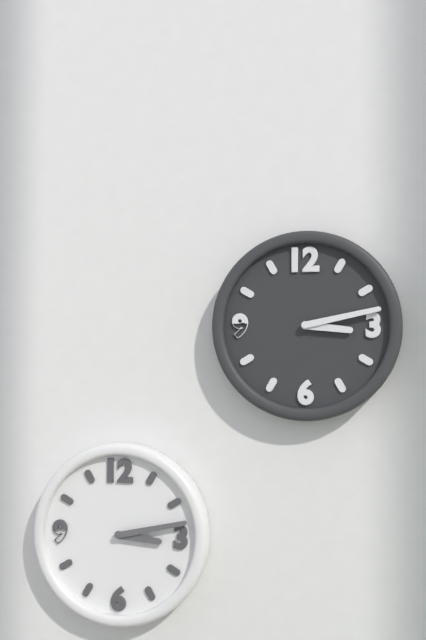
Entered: {"hour": 3, "minute": 13}
